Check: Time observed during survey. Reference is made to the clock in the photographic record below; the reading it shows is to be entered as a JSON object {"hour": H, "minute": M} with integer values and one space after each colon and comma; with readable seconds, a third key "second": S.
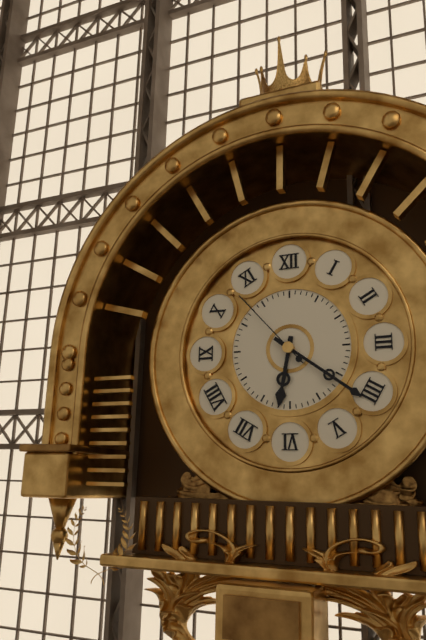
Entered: {"hour": 6, "minute": 21, "second": 53}
